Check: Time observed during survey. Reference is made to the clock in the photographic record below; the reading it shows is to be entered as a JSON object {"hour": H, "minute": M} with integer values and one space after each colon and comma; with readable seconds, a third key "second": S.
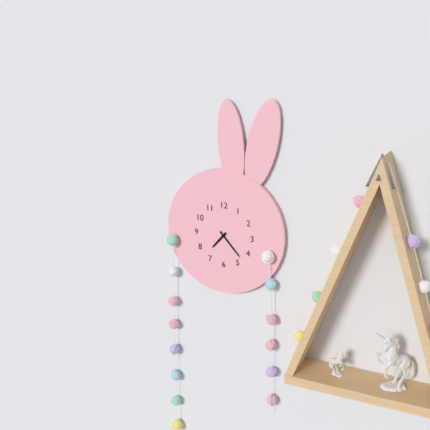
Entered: {"hour": 7, "minute": 23}
